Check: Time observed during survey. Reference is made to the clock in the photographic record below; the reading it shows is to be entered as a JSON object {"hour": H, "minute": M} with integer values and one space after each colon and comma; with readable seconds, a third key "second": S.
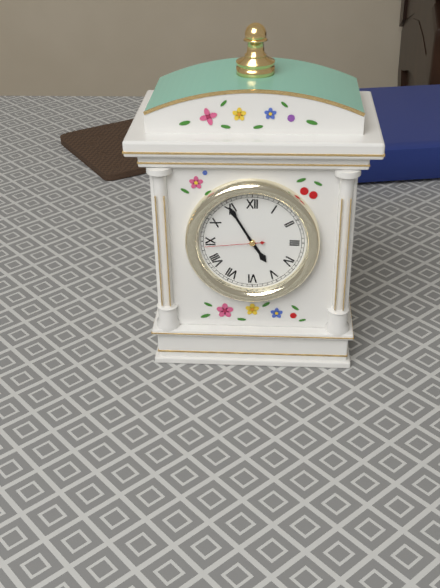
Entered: {"hour": 4, "minute": 55, "second": 44}
